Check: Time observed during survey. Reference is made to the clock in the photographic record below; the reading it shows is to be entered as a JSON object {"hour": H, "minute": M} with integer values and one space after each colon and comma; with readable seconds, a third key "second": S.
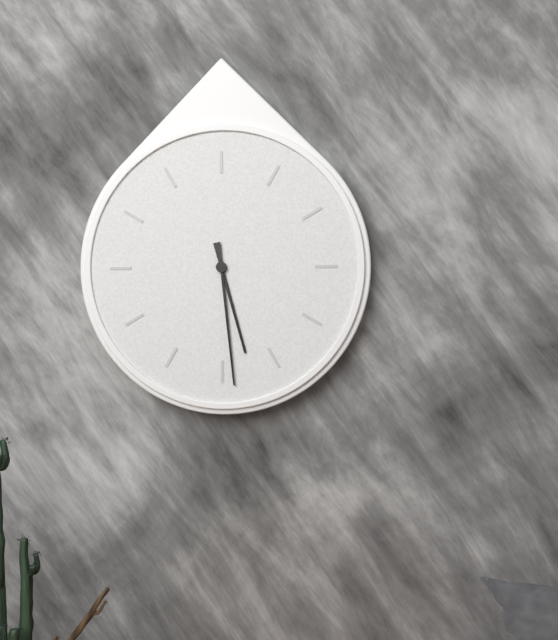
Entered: {"hour": 5, "minute": 29}
